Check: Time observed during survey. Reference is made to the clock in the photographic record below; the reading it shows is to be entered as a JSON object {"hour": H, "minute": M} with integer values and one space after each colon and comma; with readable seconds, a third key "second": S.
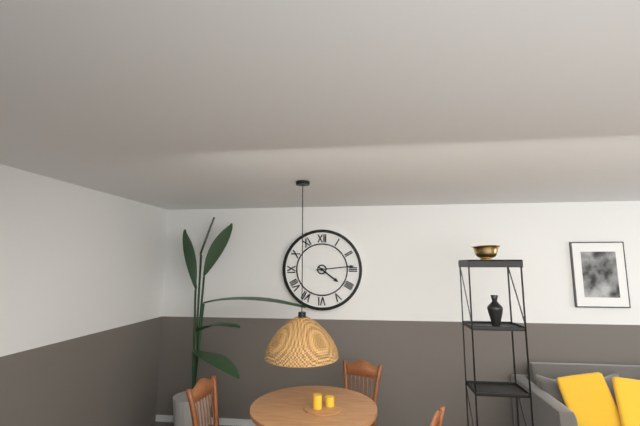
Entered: {"hour": 4, "minute": 14}
